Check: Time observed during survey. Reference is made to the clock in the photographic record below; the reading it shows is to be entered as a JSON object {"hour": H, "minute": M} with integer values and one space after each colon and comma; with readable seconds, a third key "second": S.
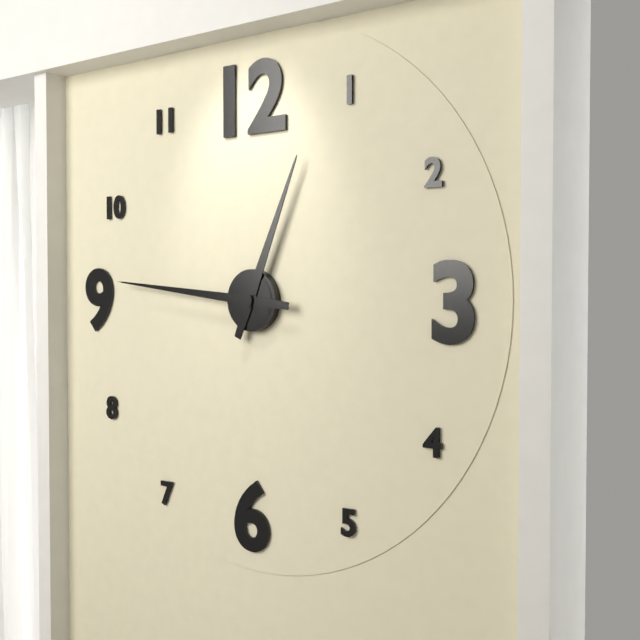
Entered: {"hour": 12, "minute": 46}
